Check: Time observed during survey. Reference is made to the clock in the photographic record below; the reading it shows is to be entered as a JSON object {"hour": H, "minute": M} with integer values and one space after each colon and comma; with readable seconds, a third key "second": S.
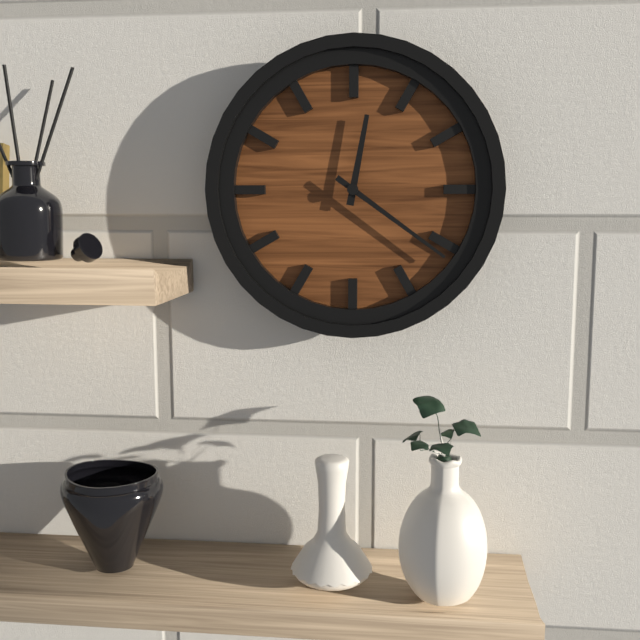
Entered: {"hour": 12, "minute": 21}
